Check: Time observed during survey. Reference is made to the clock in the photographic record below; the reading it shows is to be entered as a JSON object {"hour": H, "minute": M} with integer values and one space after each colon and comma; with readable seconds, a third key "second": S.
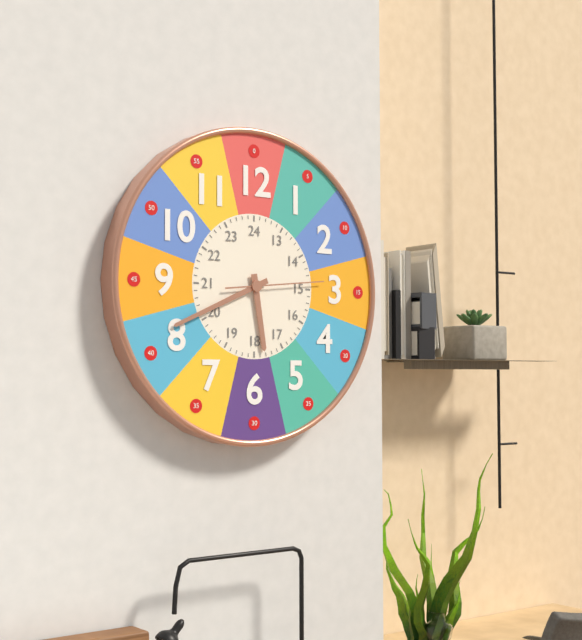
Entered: {"hour": 5, "minute": 41, "second": 14}
